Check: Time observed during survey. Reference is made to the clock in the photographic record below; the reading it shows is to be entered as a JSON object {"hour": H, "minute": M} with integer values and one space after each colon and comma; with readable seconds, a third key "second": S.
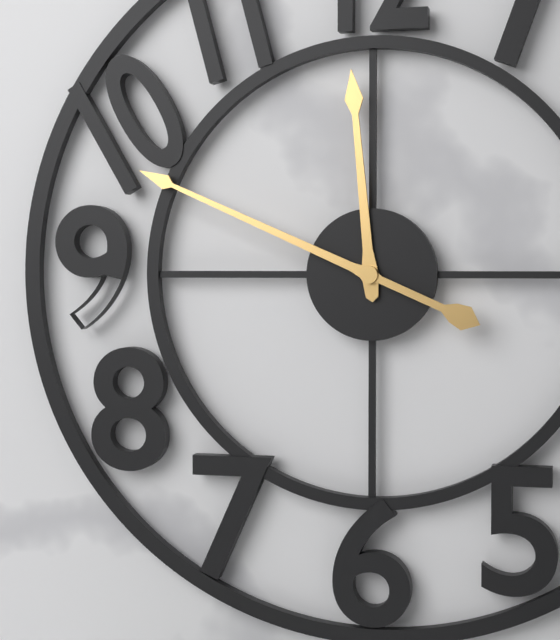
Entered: {"hour": 11, "minute": 49}
